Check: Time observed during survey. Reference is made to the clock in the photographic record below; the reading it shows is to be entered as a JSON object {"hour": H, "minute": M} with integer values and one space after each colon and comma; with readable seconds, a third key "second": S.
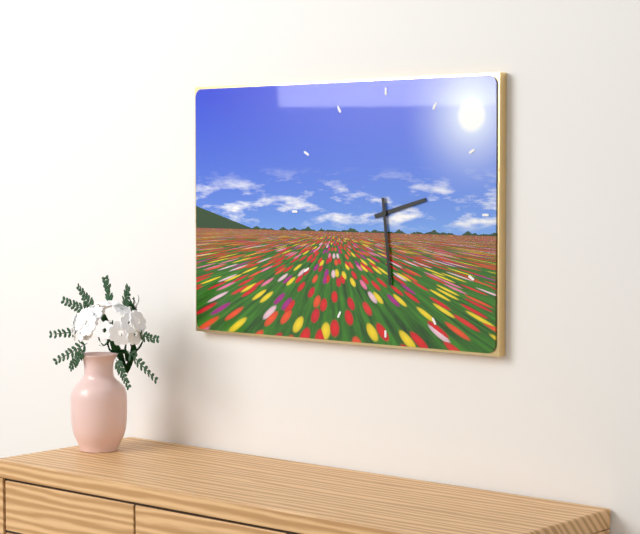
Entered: {"hour": 2, "minute": 29}
